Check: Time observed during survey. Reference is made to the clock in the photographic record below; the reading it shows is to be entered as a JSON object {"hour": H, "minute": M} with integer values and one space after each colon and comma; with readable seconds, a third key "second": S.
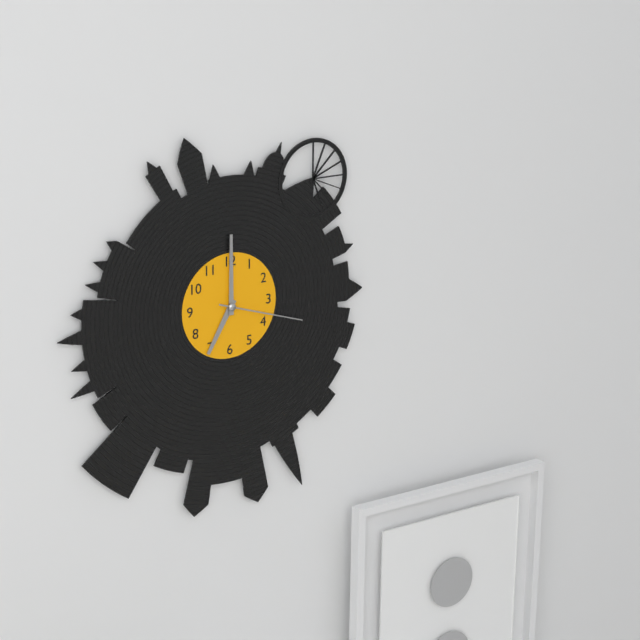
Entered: {"hour": 7, "minute": 0, "second": 18}
